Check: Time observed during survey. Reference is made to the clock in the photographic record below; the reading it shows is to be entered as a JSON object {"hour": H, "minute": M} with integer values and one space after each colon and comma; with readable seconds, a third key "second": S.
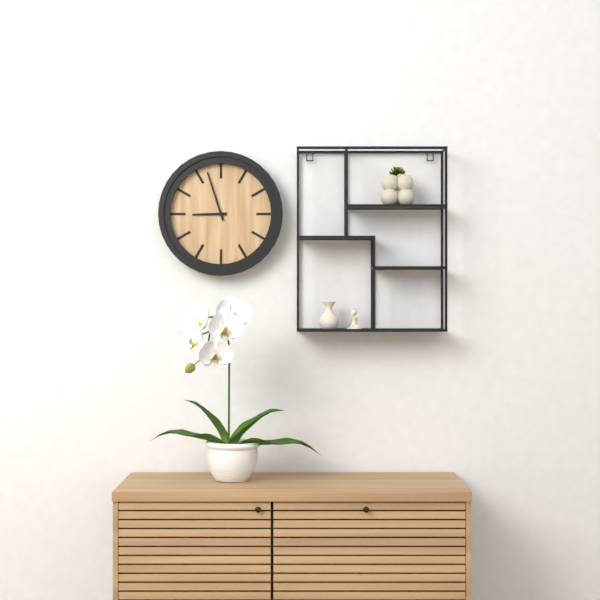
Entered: {"hour": 8, "minute": 57}
